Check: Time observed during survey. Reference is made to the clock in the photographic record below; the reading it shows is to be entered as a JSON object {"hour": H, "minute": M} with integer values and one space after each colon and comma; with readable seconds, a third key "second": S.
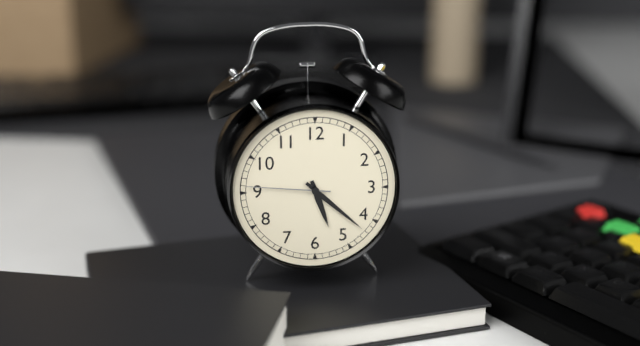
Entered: {"hour": 5, "minute": 22, "second": 46}
